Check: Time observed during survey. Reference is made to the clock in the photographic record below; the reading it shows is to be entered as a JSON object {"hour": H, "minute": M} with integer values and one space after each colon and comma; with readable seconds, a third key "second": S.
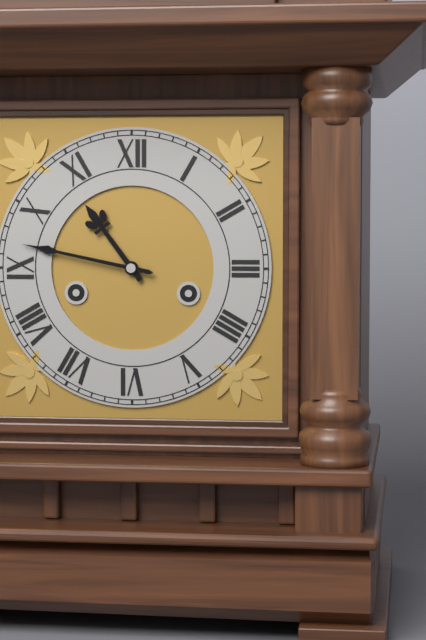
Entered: {"hour": 10, "minute": 47}
